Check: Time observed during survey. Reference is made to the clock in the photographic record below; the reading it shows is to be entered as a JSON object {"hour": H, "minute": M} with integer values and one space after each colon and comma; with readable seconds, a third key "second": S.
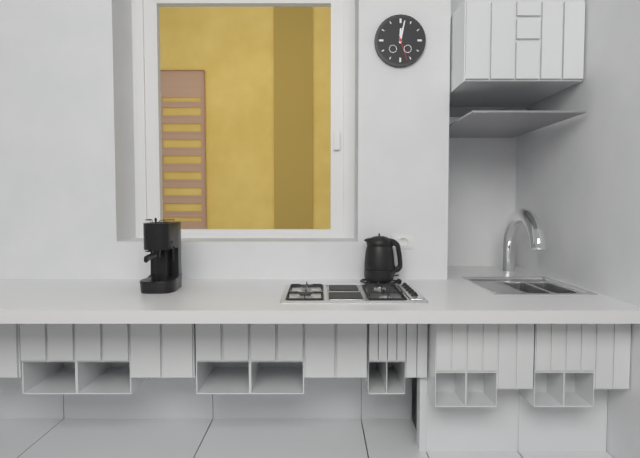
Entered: {"hour": 12, "minute": 2}
